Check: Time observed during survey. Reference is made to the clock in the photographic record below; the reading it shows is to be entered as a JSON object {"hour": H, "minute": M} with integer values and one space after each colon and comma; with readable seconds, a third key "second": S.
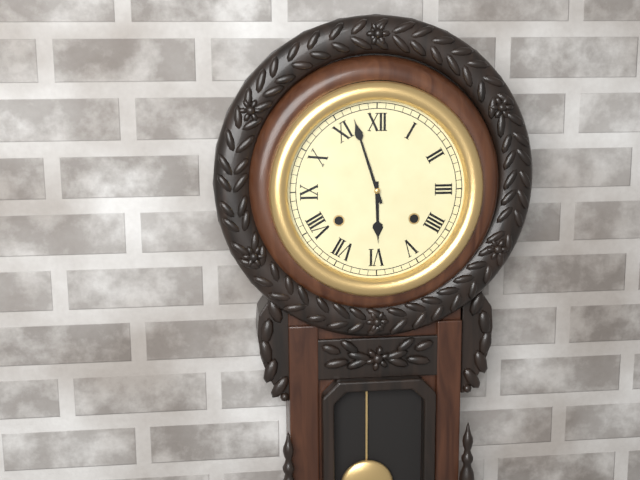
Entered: {"hour": 5, "minute": 57}
